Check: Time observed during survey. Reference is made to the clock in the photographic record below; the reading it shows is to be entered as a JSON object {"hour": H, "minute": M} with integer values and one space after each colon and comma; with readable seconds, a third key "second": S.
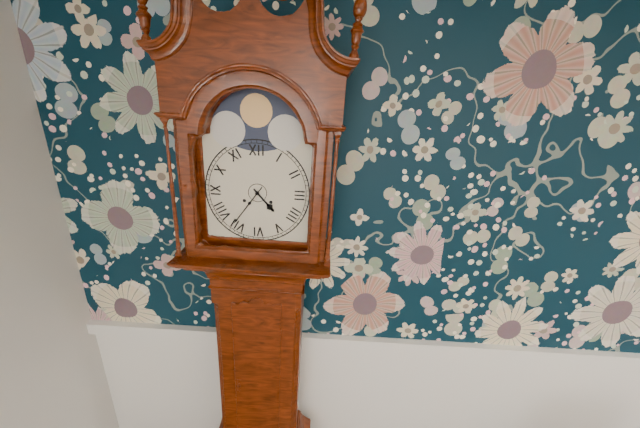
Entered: {"hour": 4, "minute": 36}
